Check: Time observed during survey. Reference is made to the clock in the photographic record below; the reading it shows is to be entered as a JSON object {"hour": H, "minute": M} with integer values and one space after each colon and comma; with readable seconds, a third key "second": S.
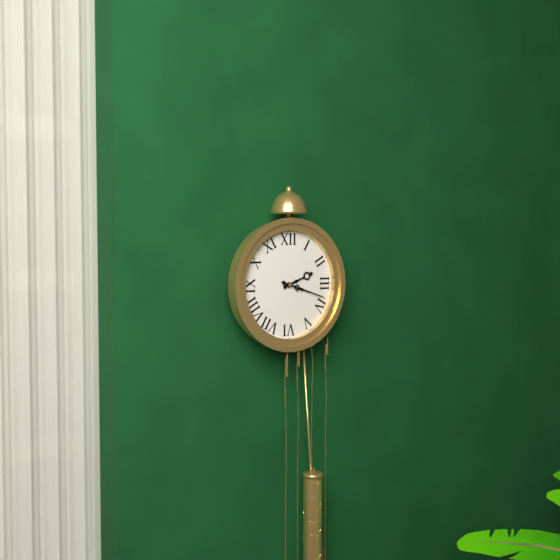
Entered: {"hour": 2, "minute": 18}
